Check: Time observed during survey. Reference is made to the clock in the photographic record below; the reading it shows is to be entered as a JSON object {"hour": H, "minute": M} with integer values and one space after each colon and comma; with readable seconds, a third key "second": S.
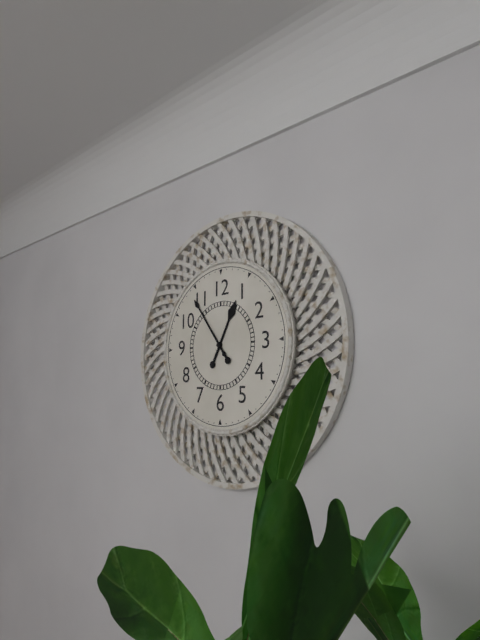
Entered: {"hour": 12, "minute": 54}
